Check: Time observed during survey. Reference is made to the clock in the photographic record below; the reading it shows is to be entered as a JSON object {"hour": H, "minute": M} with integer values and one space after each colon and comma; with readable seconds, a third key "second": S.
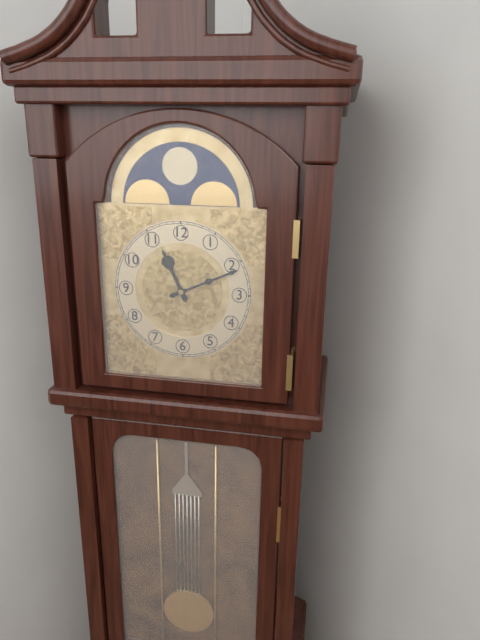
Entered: {"hour": 11, "minute": 11}
